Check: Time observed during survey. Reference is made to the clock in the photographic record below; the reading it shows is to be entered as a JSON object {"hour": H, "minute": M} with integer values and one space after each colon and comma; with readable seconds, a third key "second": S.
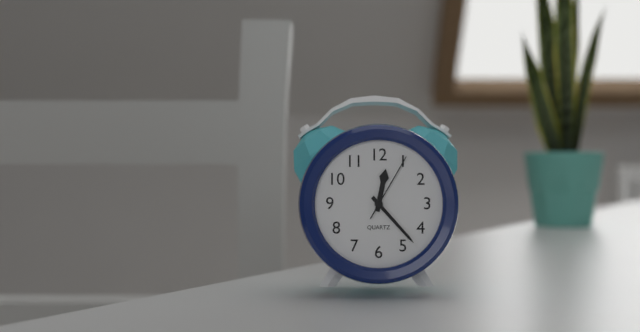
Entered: {"hour": 12, "minute": 23, "second": 5}
